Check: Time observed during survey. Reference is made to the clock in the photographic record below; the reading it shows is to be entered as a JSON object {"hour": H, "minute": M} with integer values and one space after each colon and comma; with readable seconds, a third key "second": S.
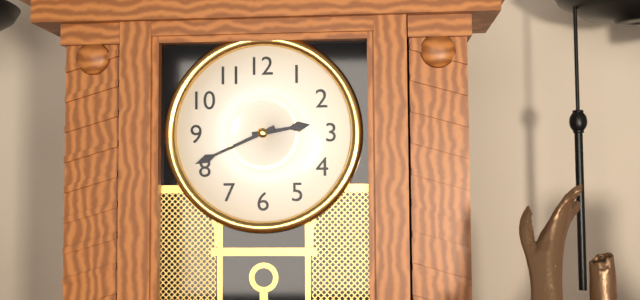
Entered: {"hour": 2, "minute": 41}
